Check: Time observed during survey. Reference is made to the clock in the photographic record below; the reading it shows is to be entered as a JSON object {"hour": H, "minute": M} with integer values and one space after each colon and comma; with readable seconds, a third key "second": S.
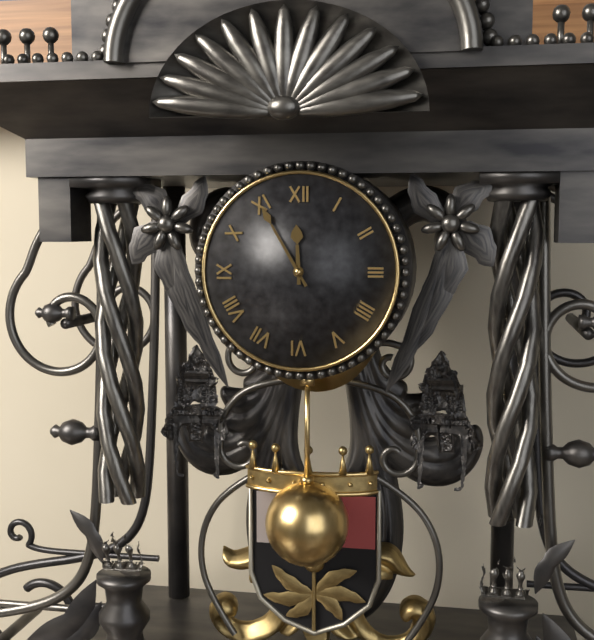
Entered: {"hour": 11, "minute": 55}
